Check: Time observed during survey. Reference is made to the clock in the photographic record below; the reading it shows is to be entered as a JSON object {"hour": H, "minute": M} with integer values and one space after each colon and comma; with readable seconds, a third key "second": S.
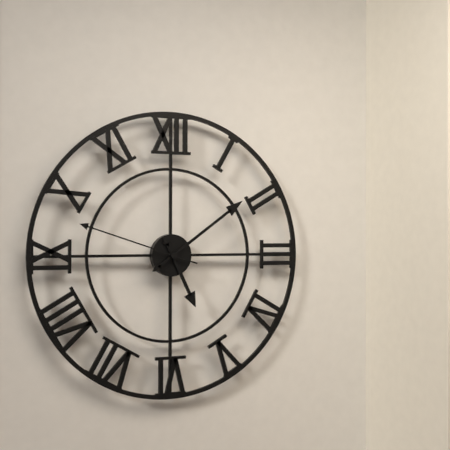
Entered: {"hour": 5, "minute": 9, "second": 48}
